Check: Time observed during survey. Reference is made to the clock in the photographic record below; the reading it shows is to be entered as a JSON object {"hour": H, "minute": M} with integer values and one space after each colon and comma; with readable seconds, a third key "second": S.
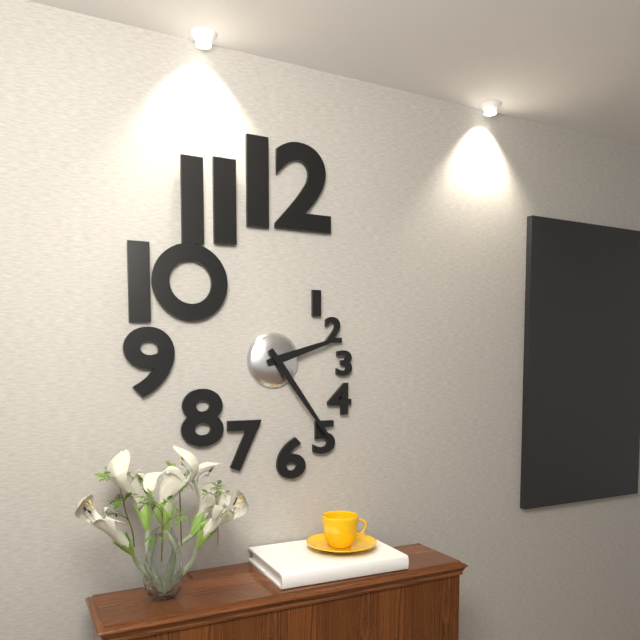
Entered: {"hour": 2, "minute": 24}
